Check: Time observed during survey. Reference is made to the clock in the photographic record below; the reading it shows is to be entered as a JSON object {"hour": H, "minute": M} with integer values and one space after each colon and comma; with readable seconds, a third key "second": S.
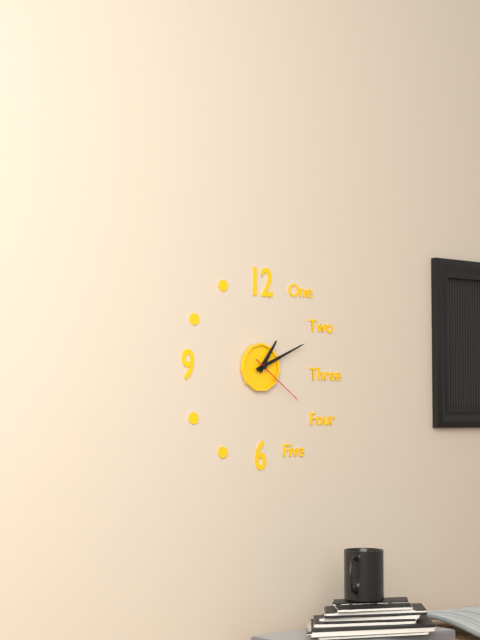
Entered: {"hour": 1, "minute": 11, "second": 21}
